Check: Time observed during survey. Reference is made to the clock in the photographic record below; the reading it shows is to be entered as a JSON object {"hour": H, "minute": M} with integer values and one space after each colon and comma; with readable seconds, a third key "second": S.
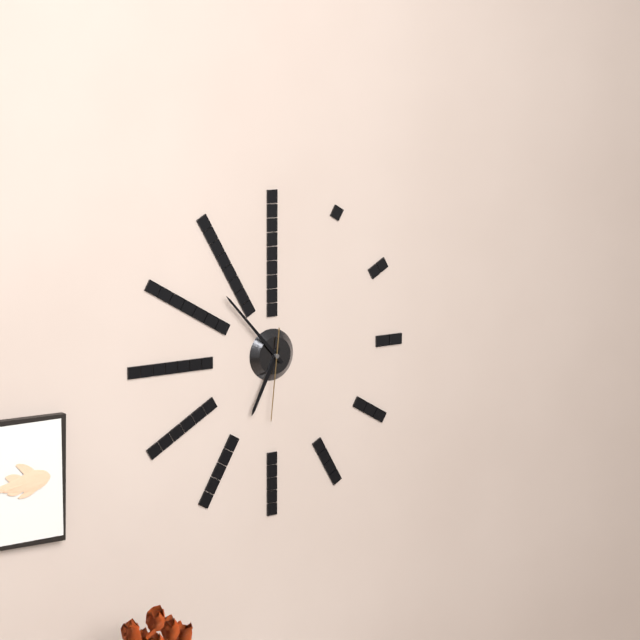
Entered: {"hour": 6, "minute": 53, "second": 31}
